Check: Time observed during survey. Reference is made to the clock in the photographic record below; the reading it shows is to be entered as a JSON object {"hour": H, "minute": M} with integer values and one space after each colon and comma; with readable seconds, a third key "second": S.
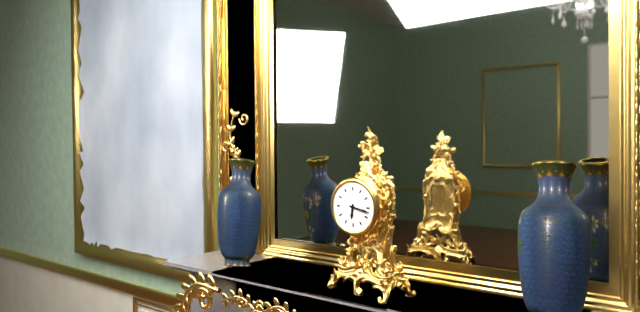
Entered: {"hour": 6, "minute": 17}
